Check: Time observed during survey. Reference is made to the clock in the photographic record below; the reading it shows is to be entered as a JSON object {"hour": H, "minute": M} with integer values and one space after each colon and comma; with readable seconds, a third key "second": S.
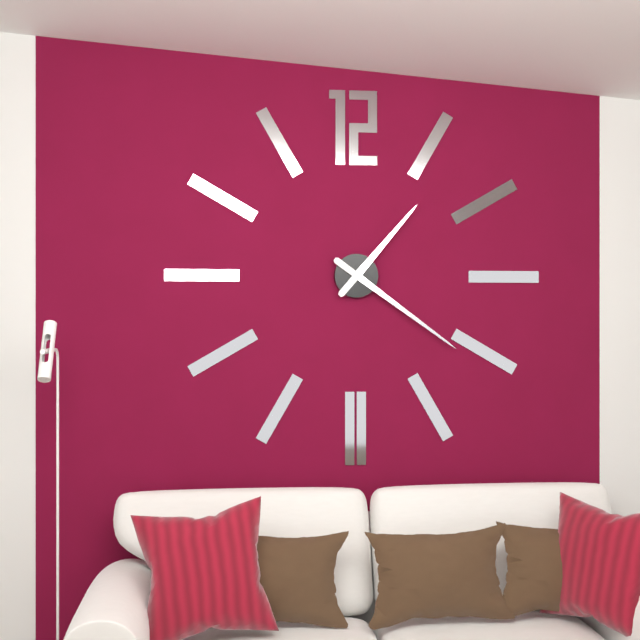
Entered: {"hour": 1, "minute": 21}
